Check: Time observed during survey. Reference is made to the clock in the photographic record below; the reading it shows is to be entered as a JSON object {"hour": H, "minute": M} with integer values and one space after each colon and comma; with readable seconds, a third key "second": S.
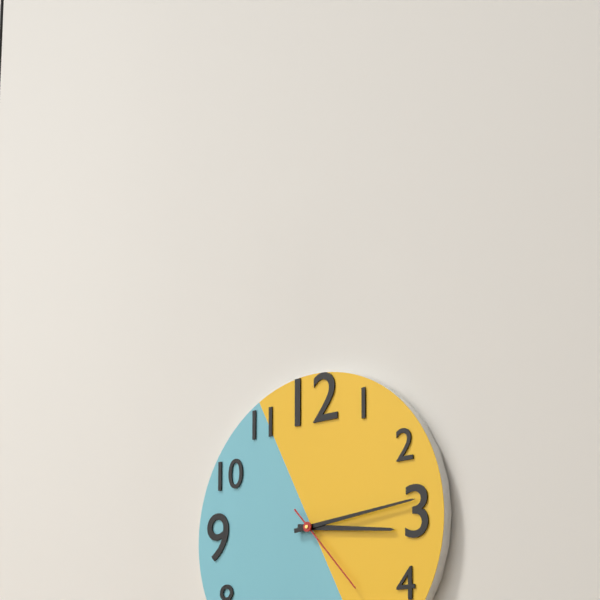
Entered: {"hour": 3, "minute": 14, "second": 23}
